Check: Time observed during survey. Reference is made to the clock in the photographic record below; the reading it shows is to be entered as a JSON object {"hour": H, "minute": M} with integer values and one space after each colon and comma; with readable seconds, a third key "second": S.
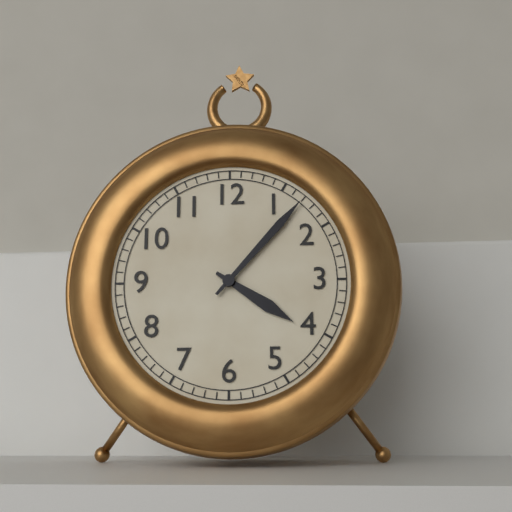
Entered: {"hour": 4, "minute": 7}
